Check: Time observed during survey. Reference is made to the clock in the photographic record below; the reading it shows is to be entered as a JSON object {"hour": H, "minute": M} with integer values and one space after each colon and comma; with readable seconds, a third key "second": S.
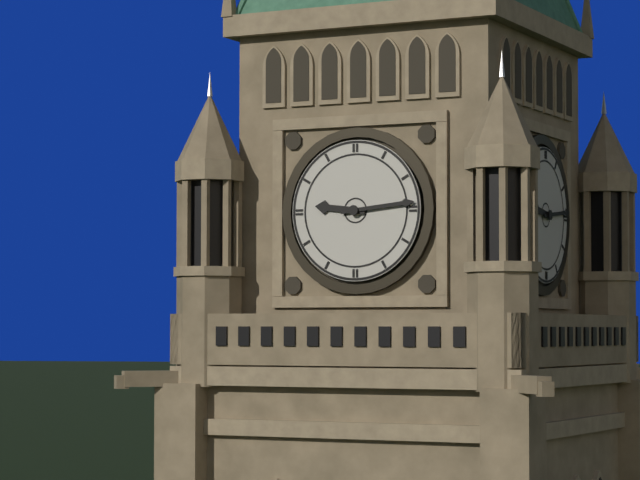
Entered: {"hour": 9, "minute": 14}
